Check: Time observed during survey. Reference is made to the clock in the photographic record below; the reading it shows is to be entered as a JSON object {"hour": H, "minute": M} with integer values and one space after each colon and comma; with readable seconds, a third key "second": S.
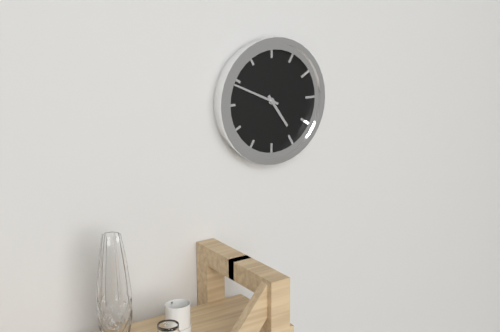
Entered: {"hour": 4, "minute": 49}
